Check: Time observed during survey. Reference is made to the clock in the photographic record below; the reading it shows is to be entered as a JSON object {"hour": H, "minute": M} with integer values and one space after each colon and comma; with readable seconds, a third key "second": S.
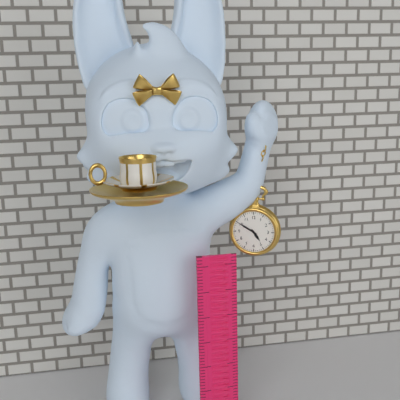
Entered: {"hour": 4, "minute": 50}
